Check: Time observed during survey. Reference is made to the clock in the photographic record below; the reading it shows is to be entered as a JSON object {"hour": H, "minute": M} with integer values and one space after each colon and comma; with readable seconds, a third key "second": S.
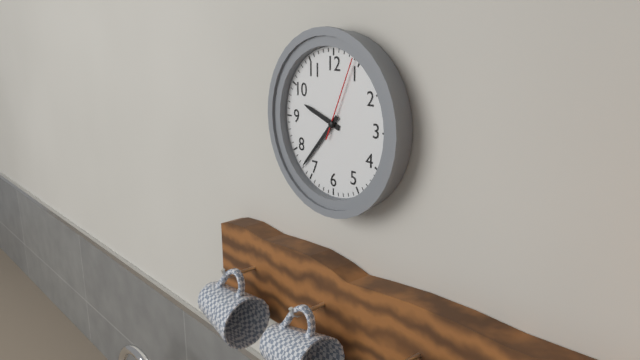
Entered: {"hour": 9, "minute": 37, "second": 4}
